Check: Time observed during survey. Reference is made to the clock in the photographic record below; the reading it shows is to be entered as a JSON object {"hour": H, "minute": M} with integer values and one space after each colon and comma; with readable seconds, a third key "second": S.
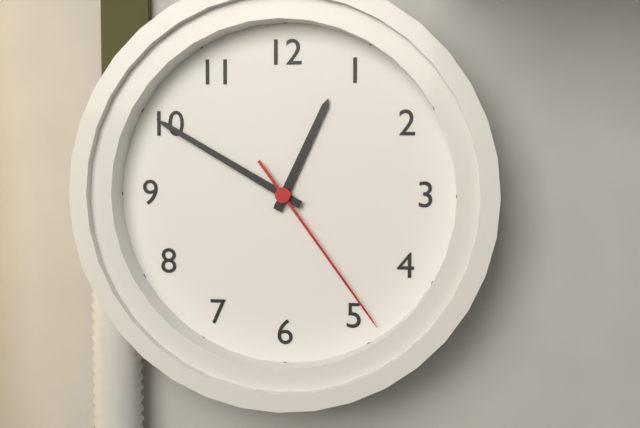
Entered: {"hour": 12, "minute": 50, "second": 24}
